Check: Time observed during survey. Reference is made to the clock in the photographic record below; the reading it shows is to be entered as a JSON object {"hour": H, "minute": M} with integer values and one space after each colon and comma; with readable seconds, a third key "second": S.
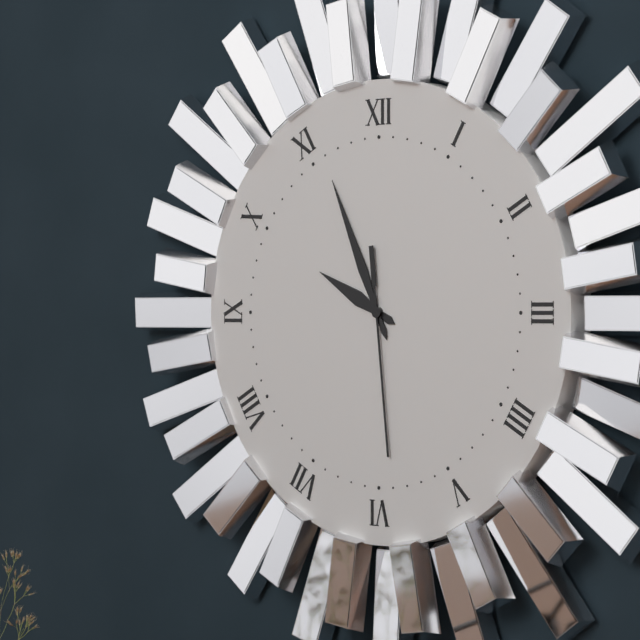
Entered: {"hour": 9, "minute": 56, "second": 29}
